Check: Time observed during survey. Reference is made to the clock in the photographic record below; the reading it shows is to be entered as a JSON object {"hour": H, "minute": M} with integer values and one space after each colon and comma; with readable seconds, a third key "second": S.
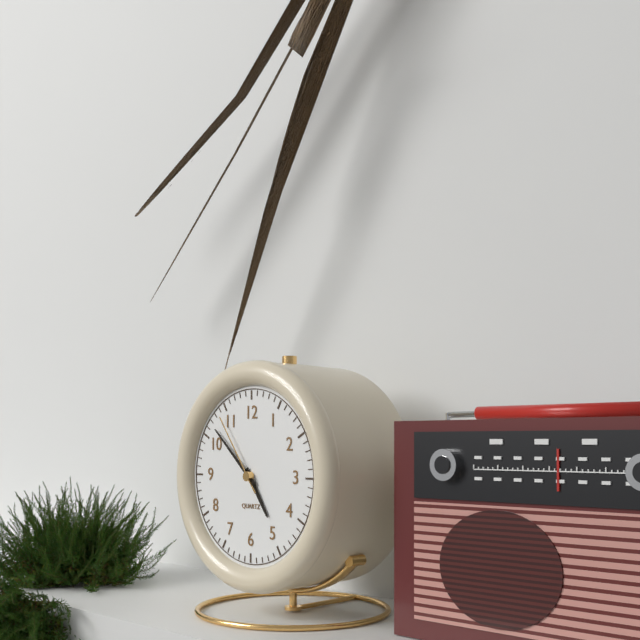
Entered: {"hour": 4, "minute": 52, "second": 54}
